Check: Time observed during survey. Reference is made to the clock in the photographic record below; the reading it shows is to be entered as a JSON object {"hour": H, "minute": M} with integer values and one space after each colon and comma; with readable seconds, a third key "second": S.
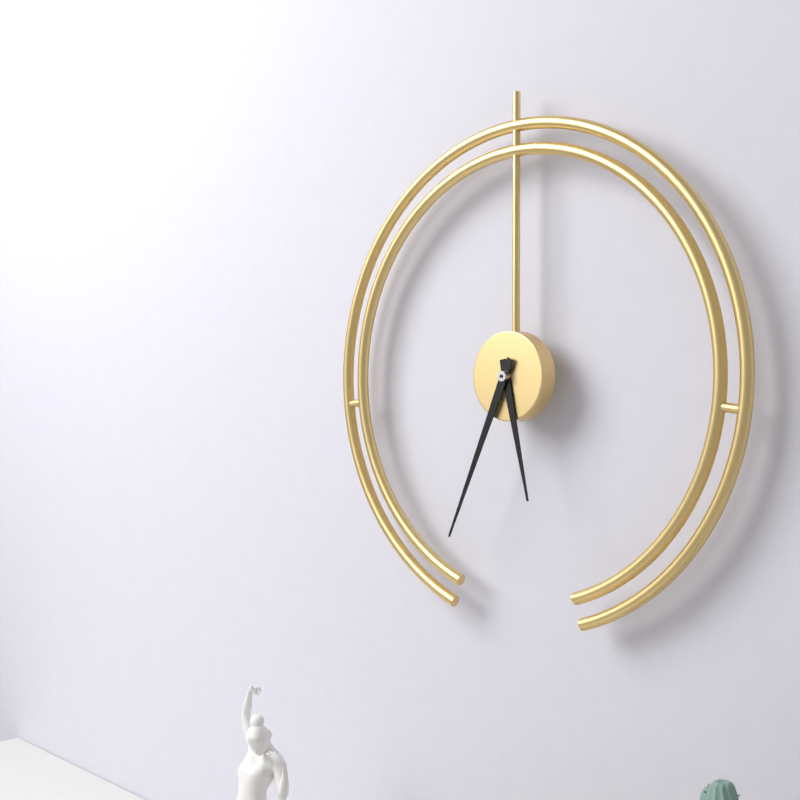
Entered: {"hour": 5, "minute": 34}
